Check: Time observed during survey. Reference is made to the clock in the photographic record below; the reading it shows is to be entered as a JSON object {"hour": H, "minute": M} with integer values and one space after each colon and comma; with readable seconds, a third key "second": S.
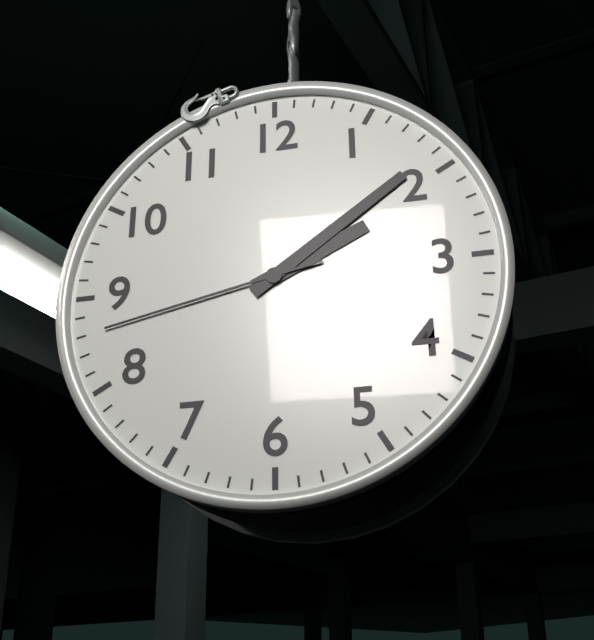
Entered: {"hour": 2, "minute": 9, "second": 43}
